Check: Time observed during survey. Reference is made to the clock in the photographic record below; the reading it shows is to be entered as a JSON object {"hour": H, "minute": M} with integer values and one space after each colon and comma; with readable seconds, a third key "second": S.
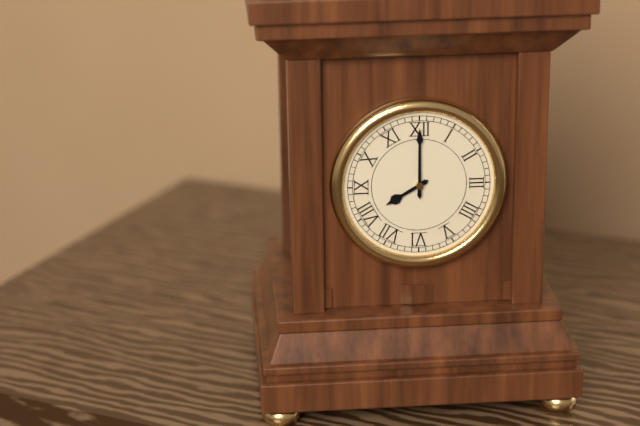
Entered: {"hour": 8, "minute": 0}
